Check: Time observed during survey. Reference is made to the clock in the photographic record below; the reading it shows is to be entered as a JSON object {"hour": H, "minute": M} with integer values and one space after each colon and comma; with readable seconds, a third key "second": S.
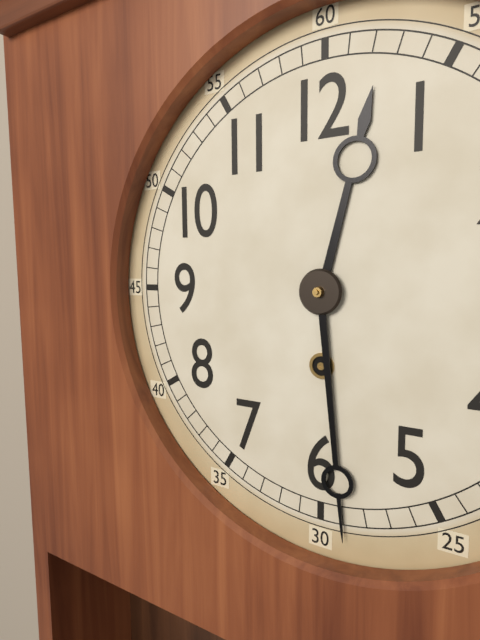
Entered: {"hour": 12, "minute": 29}
